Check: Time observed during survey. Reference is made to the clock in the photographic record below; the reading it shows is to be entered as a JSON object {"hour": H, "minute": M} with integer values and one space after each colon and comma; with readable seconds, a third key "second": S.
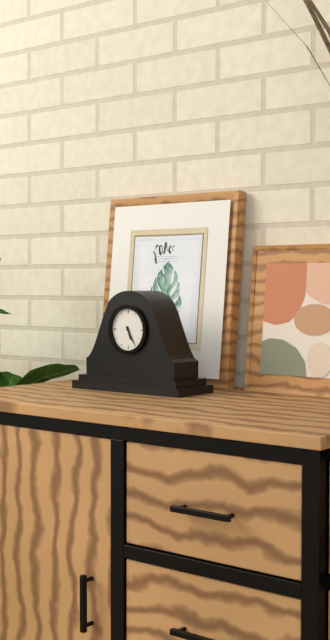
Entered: {"hour": 5, "minute": 25}
